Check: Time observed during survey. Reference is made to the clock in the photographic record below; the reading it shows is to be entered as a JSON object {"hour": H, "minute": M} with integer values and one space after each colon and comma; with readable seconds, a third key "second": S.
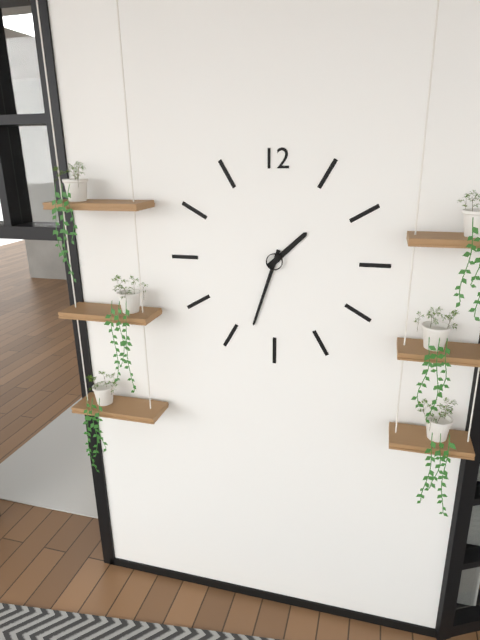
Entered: {"hour": 1, "minute": 33}
